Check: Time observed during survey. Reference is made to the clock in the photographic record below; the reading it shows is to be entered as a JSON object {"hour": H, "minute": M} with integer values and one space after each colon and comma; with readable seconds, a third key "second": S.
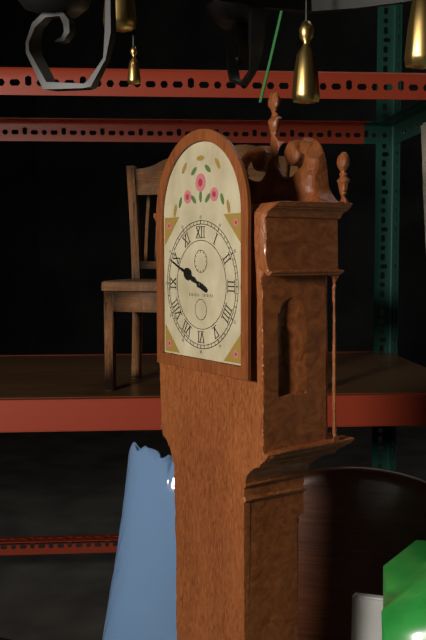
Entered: {"hour": 9, "minute": 49}
